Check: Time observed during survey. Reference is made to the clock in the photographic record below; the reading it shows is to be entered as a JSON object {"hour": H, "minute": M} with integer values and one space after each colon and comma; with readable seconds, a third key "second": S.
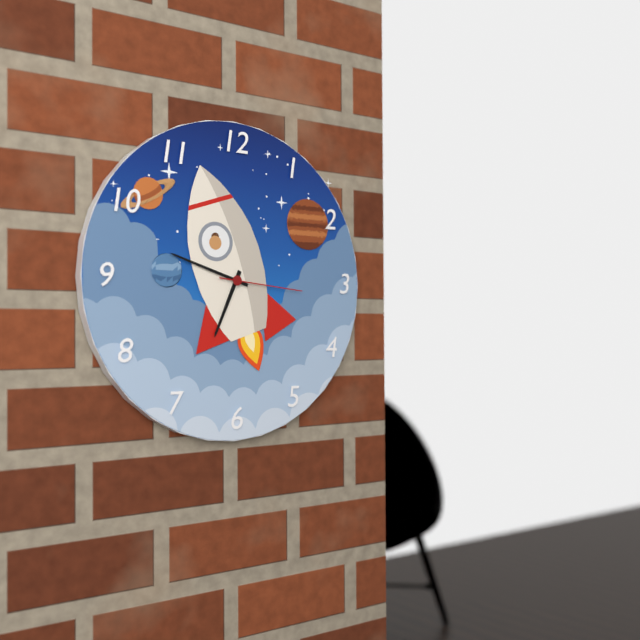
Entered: {"hour": 6, "minute": 48, "second": 16}
